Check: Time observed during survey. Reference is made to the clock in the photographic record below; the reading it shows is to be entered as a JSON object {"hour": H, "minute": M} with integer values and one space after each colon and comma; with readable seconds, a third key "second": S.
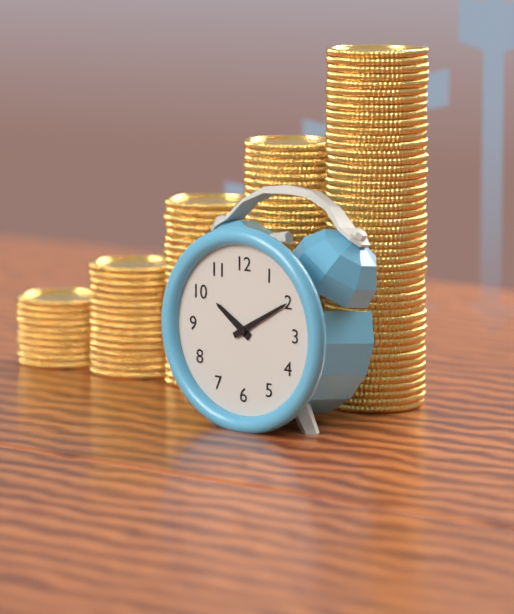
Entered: {"hour": 10, "minute": 10}
